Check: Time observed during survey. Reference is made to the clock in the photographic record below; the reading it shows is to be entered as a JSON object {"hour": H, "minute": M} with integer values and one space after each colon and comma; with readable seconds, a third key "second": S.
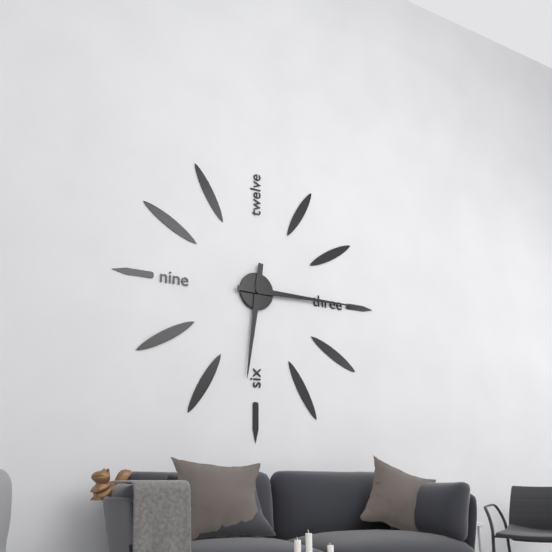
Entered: {"hour": 6, "minute": 15}
